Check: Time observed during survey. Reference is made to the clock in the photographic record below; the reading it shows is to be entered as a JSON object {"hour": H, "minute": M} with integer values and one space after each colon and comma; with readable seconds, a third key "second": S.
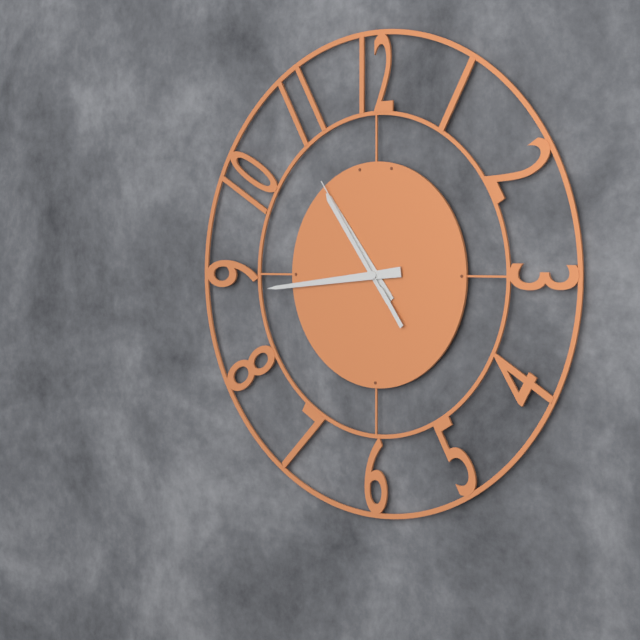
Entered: {"hour": 10, "minute": 44, "second": 54}
